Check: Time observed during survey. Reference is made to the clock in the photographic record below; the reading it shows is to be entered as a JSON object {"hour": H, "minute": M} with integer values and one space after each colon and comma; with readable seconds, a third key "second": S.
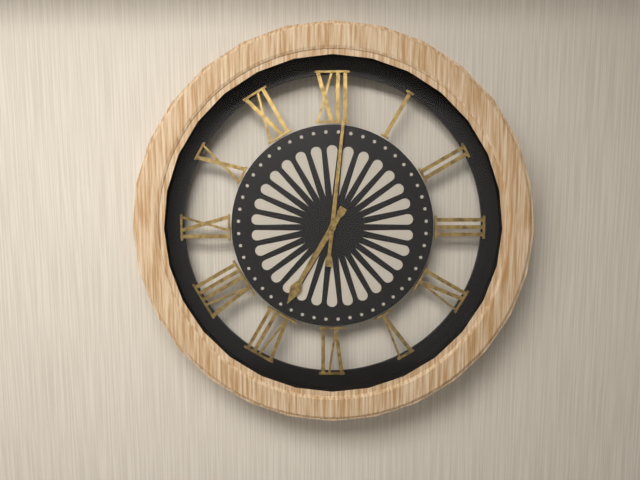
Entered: {"hour": 7, "minute": 1}
